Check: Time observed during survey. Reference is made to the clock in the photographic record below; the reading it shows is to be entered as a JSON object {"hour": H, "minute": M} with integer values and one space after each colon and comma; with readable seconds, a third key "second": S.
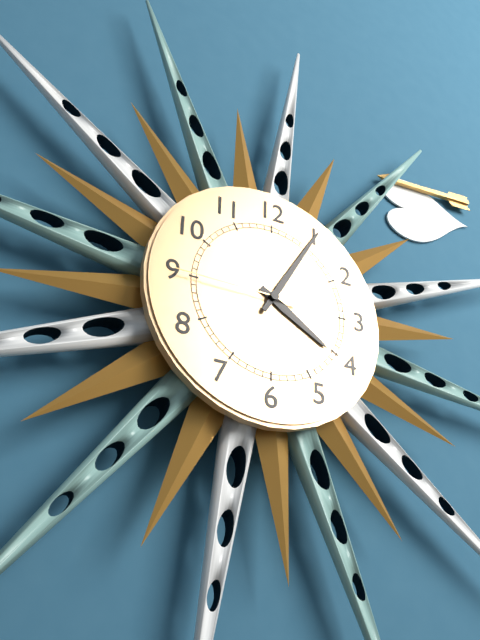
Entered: {"hour": 4, "minute": 5, "second": 45}
